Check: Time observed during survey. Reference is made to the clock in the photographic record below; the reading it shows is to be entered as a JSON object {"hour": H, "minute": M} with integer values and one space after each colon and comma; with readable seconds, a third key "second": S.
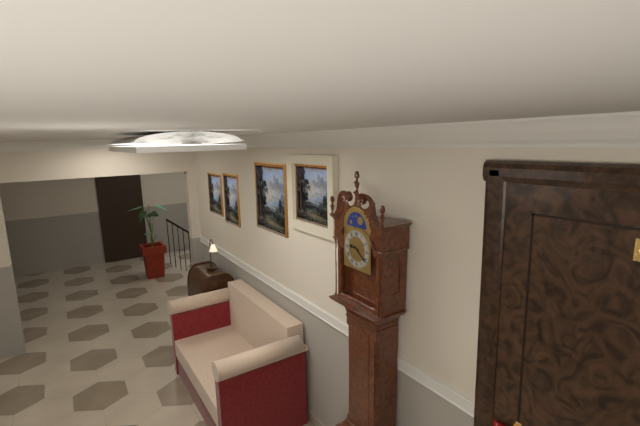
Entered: {"hour": 9, "minute": 21}
